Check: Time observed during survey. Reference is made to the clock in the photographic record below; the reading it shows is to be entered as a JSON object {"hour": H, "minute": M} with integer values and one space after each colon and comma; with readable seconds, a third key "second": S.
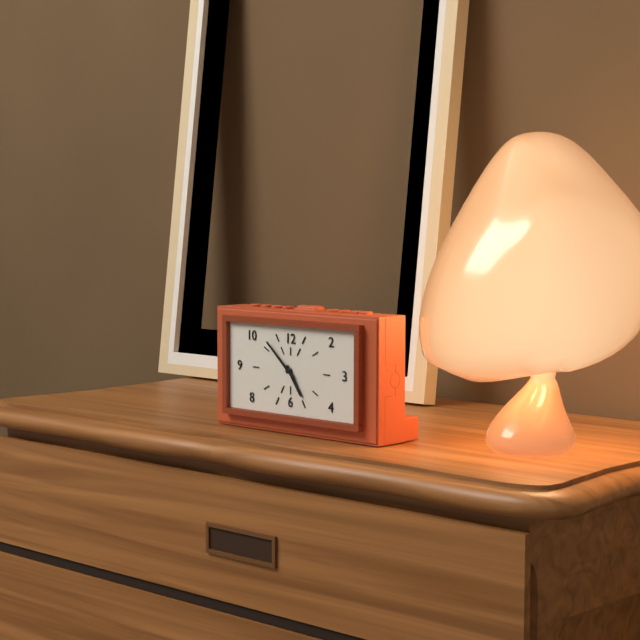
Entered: {"hour": 4, "minute": 52}
